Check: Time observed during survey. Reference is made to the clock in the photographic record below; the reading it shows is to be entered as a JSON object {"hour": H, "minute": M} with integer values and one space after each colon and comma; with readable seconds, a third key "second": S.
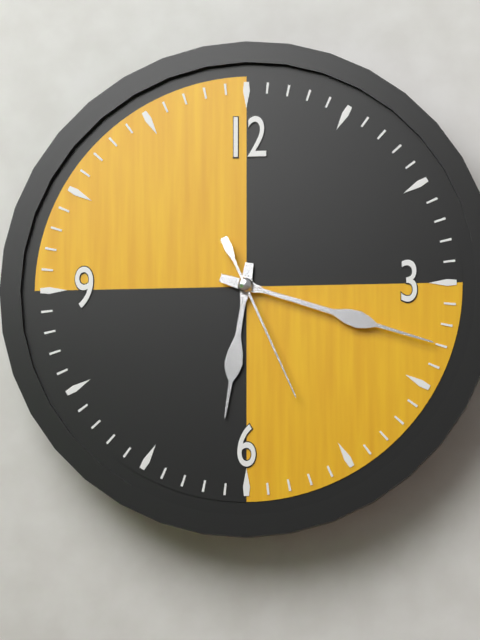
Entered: {"hour": 6, "minute": 18, "second": 26}
